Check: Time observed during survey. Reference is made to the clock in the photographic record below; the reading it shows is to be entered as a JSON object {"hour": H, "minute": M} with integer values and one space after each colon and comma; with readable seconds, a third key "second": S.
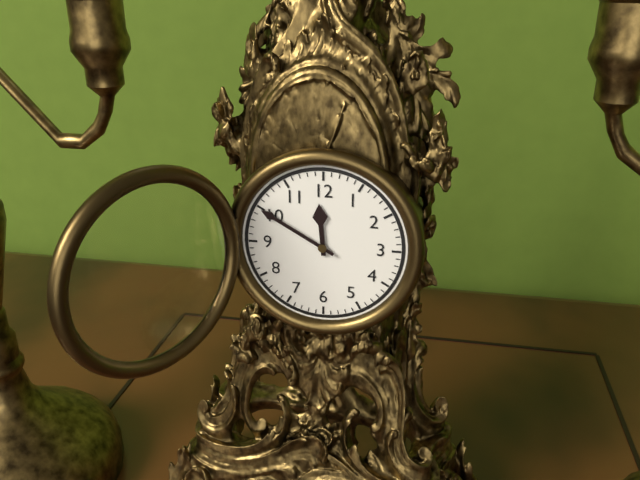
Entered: {"hour": 11, "minute": 50}
